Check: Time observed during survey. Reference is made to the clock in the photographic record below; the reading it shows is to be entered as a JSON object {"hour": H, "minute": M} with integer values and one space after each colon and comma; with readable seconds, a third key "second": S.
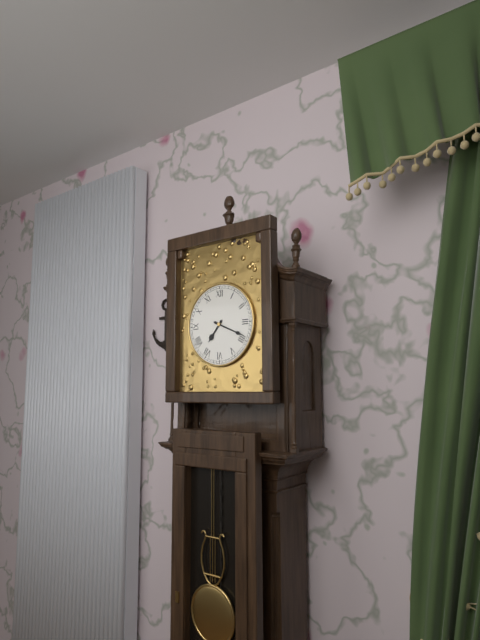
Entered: {"hour": 7, "minute": 19}
